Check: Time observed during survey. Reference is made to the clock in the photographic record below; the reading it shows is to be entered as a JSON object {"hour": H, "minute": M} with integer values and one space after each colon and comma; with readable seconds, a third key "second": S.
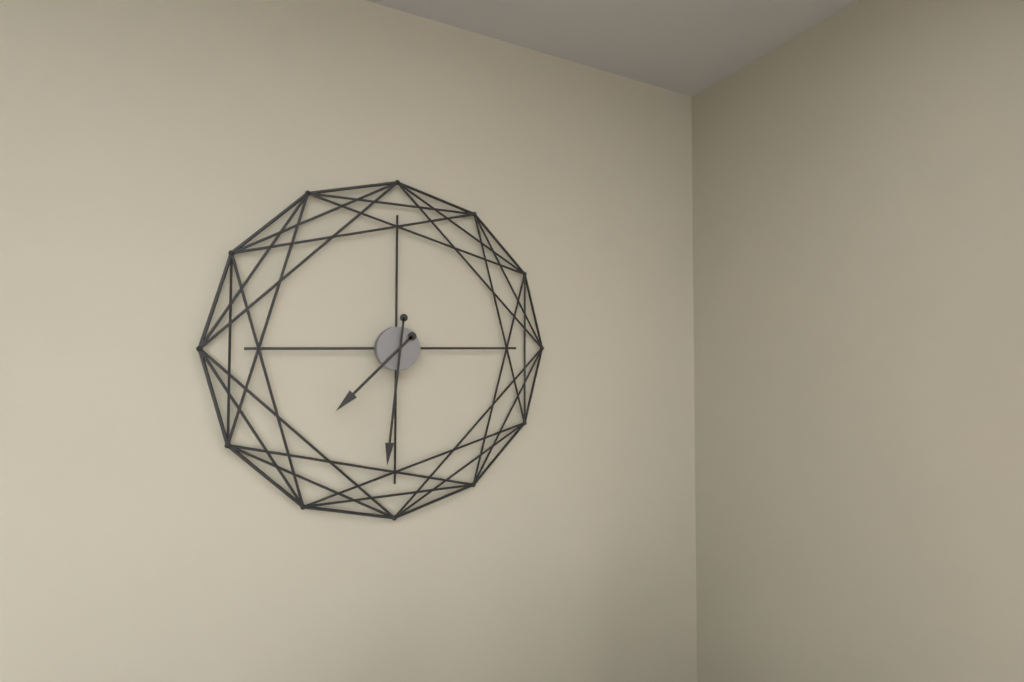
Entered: {"hour": 7, "minute": 31}
